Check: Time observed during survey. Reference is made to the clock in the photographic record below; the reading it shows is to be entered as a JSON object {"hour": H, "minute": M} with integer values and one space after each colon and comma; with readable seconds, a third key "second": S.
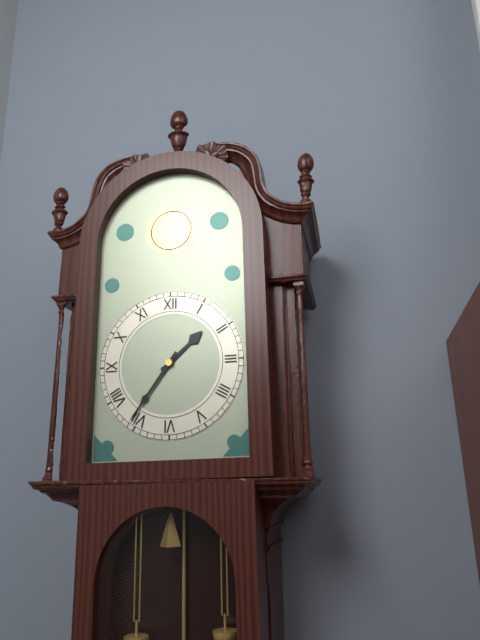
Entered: {"hour": 1, "minute": 36}
